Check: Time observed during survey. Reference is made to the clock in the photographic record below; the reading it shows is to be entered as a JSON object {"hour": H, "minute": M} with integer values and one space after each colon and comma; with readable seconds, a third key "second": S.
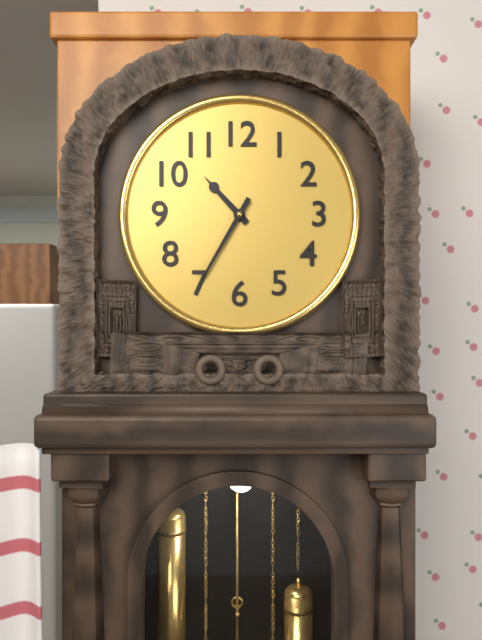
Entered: {"hour": 10, "minute": 35}
